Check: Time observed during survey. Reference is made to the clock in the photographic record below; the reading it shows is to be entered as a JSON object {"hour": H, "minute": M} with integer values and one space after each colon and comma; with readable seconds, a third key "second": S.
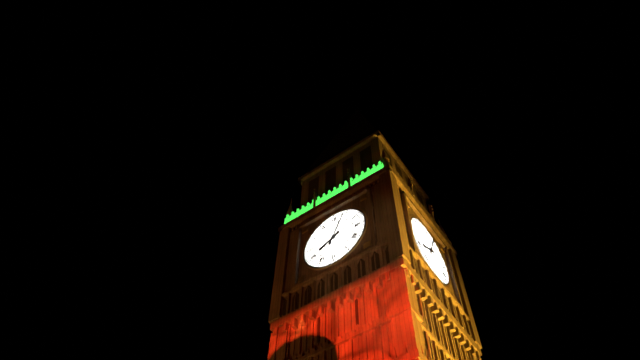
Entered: {"hour": 8, "minute": 4}
